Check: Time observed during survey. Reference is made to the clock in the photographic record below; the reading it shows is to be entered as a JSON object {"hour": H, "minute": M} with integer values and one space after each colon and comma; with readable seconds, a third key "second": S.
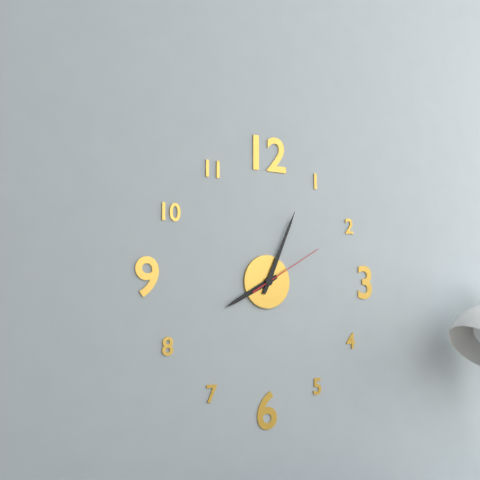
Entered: {"hour": 8, "minute": 4, "second": 10}
